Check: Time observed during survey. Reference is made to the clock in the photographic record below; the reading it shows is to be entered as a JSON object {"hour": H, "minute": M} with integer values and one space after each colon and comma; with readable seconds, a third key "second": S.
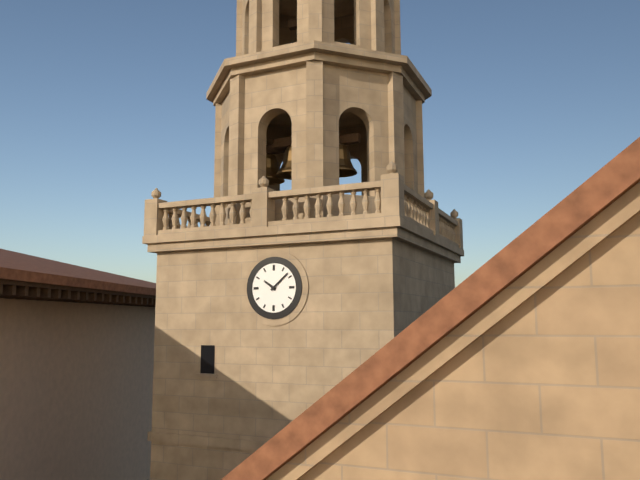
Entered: {"hour": 10, "minute": 8}
